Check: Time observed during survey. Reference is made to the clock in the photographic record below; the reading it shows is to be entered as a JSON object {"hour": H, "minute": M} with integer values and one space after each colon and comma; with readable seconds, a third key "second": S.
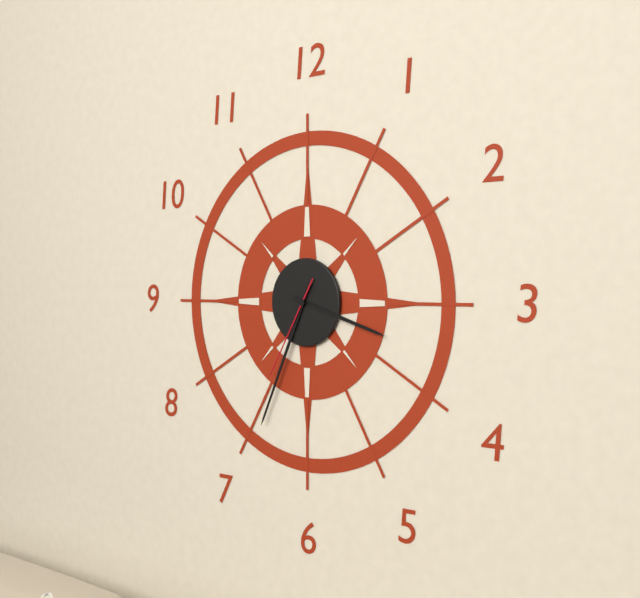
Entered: {"hour": 3, "minute": 34, "second": 35}
